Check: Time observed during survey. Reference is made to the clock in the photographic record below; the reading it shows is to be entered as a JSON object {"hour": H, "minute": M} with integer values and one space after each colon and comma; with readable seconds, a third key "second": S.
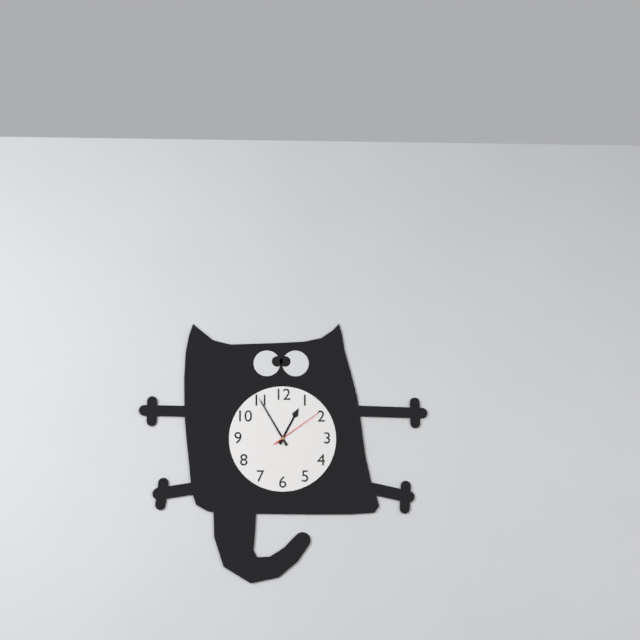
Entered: {"hour": 12, "minute": 55, "second": 9}
